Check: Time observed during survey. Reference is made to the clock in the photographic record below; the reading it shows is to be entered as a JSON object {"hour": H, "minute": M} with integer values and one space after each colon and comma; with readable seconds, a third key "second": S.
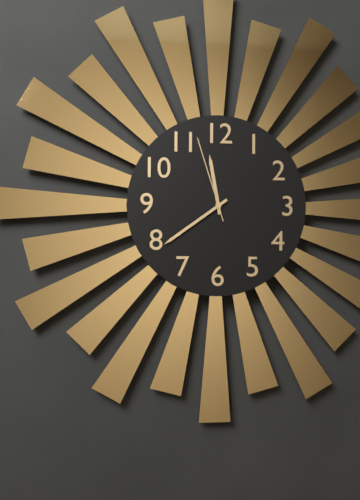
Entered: {"hour": 11, "minute": 39, "second": 57}
